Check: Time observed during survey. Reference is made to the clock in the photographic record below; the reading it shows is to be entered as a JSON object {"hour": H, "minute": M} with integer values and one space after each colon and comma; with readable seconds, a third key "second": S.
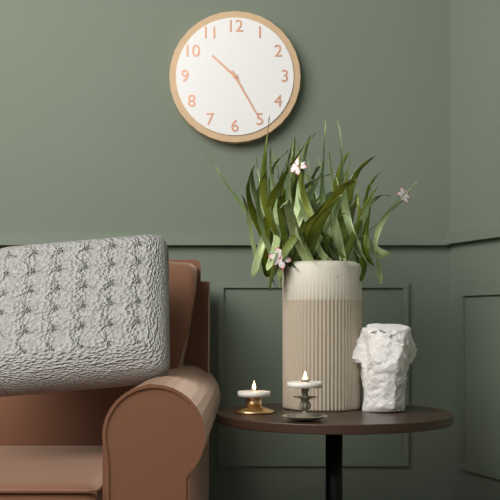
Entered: {"hour": 10, "minute": 25}
